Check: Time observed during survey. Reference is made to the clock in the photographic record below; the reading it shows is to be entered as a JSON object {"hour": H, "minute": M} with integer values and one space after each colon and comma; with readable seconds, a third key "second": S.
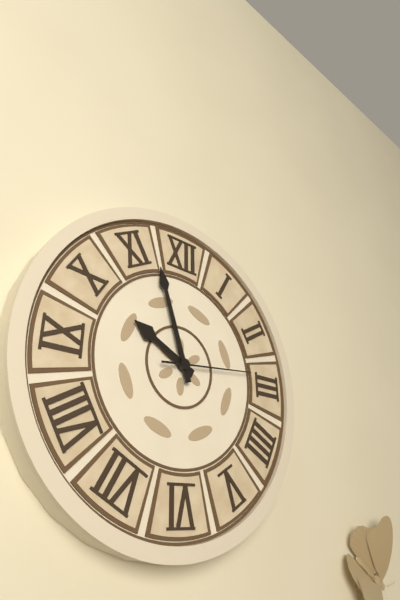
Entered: {"hour": 9, "minute": 57, "second": 14}
